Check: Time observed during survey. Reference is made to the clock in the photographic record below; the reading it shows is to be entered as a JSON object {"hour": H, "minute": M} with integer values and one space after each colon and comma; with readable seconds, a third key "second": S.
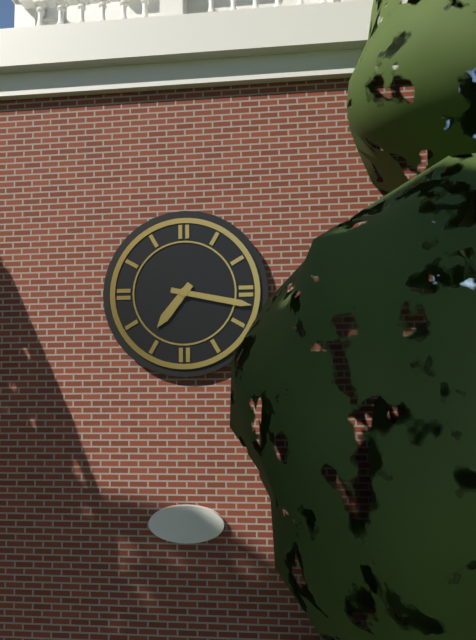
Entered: {"hour": 7, "minute": 17}
